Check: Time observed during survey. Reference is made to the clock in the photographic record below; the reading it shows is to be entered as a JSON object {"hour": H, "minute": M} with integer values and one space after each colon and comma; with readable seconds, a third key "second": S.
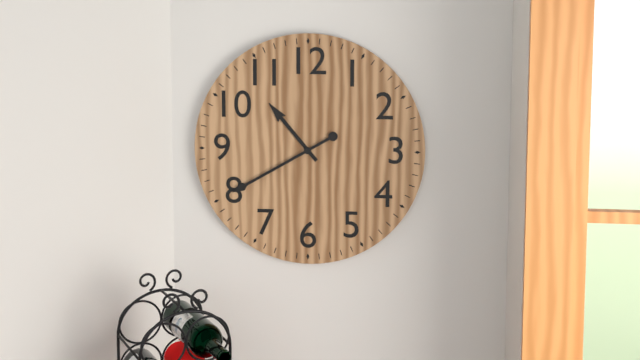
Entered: {"hour": 10, "minute": 40}
